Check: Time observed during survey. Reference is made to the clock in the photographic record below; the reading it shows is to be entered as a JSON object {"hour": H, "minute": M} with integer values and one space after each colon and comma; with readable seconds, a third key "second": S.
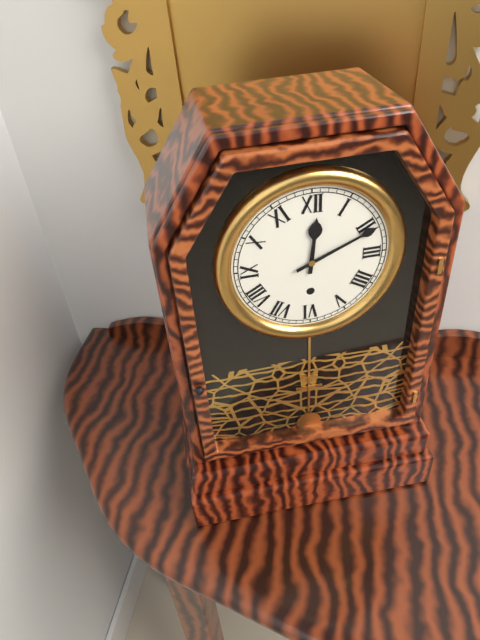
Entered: {"hour": 12, "minute": 11}
